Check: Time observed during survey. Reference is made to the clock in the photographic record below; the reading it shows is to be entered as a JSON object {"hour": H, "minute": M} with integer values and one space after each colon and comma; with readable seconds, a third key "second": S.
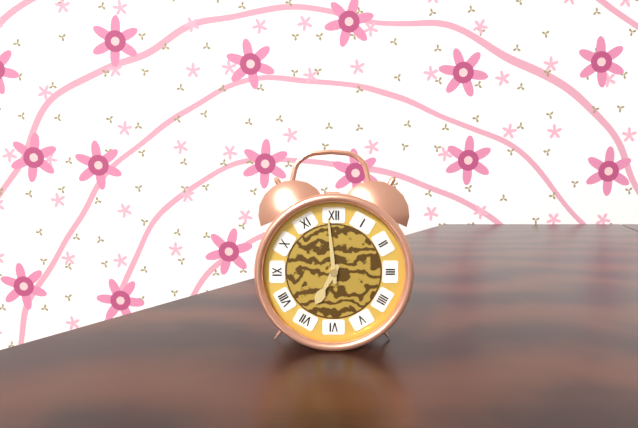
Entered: {"hour": 6, "minute": 59}
